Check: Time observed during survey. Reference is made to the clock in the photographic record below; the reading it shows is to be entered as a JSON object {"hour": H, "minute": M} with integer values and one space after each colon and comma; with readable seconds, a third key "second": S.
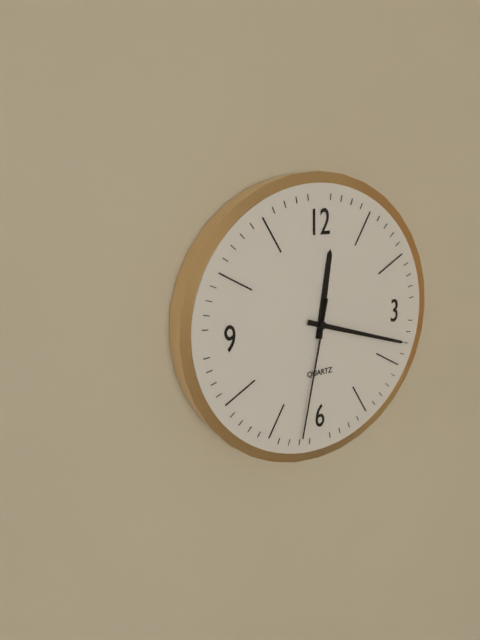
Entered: {"hour": 12, "minute": 18, "second": 32}
